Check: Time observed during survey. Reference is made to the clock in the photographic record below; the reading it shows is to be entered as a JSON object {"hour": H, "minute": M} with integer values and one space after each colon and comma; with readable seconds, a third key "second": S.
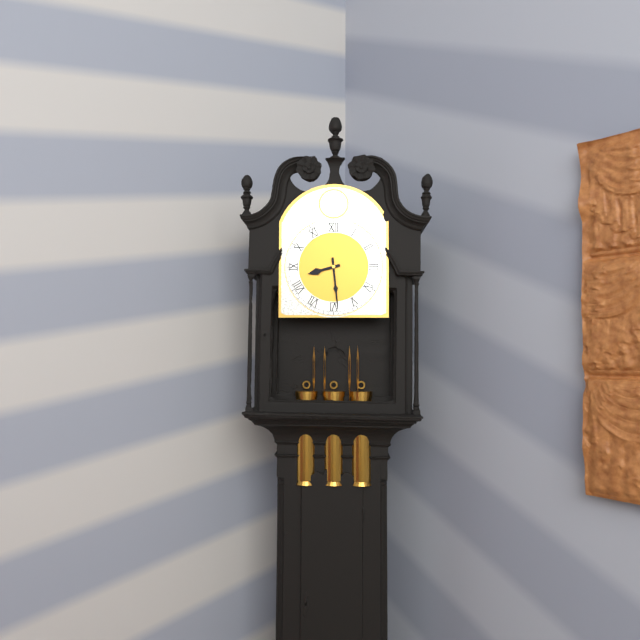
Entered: {"hour": 8, "minute": 29}
